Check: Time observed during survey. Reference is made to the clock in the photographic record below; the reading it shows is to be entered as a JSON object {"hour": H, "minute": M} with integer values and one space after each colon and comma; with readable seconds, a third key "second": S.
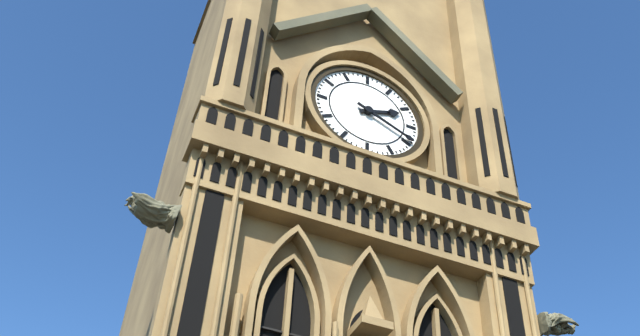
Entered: {"hour": 2, "minute": 19}
